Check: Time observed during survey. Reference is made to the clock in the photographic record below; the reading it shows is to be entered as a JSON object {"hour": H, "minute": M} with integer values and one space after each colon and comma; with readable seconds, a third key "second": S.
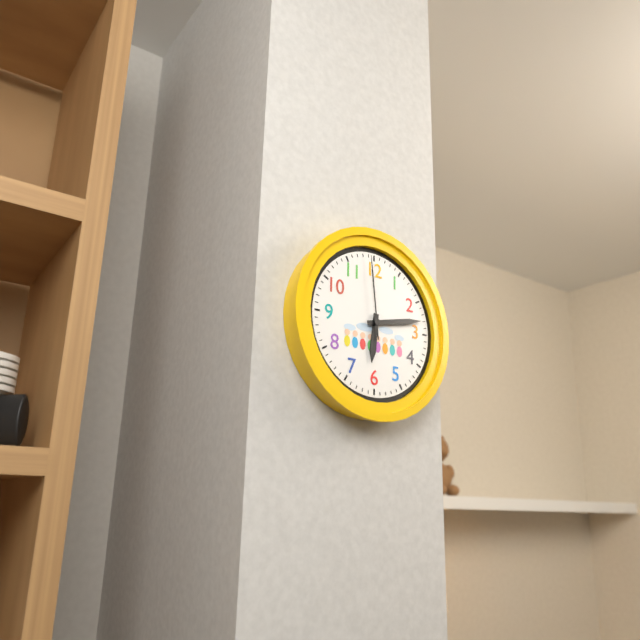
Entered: {"hour": 6, "minute": 13, "second": 59}
